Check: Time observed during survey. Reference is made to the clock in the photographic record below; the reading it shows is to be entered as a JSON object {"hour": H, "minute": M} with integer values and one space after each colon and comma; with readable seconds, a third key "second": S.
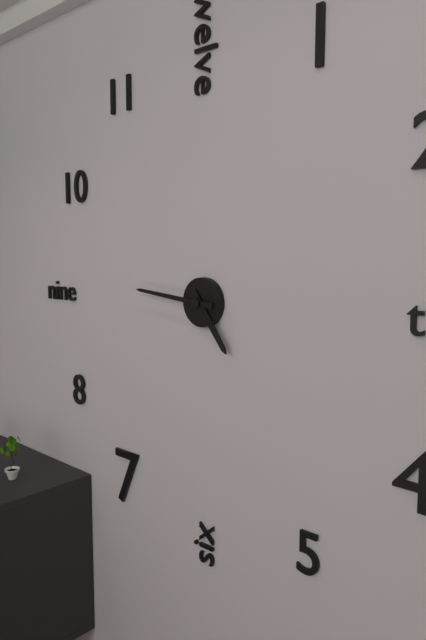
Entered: {"hour": 4, "minute": 46}
